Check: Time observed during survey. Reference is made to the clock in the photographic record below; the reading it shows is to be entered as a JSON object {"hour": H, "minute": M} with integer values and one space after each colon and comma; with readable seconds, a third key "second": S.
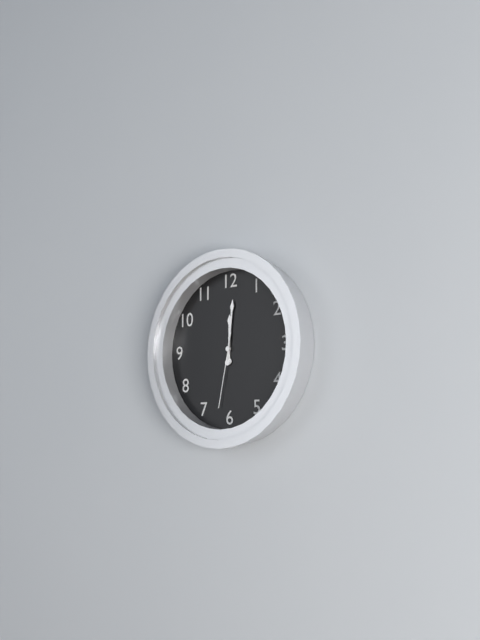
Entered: {"hour": 12, "minute": 1, "second": 32}
